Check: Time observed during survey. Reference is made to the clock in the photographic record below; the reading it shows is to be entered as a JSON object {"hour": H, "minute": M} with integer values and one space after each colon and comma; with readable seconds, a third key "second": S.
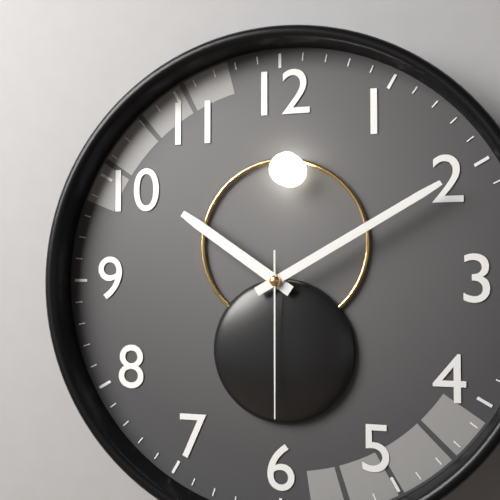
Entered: {"hour": 10, "minute": 10, "second": 30}
